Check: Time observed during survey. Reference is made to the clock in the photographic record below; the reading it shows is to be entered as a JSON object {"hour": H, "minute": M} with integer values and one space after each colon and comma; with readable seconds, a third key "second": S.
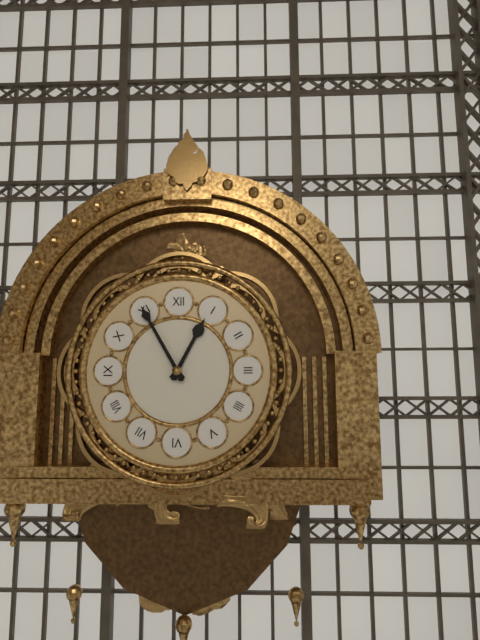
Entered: {"hour": 12, "minute": 55}
